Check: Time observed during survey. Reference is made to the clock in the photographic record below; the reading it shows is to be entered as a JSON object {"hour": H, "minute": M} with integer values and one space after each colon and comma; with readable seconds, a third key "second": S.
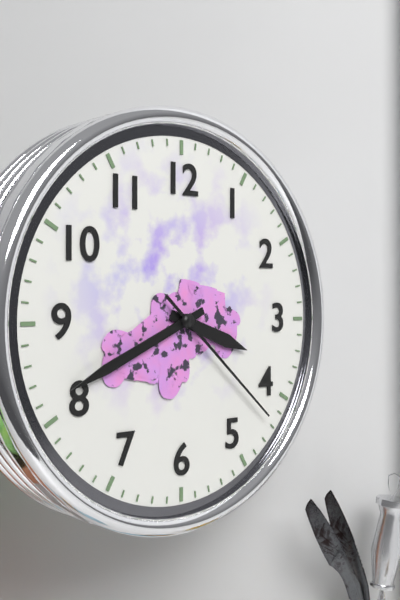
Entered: {"hour": 3, "minute": 41, "second": 22}
